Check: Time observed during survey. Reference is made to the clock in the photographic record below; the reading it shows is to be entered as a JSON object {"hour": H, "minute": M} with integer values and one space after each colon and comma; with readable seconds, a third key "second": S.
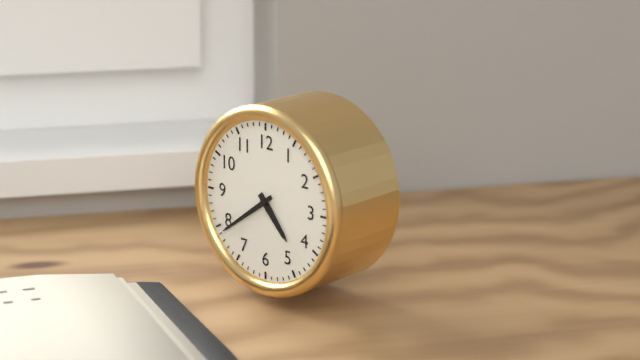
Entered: {"hour": 4, "minute": 39}
